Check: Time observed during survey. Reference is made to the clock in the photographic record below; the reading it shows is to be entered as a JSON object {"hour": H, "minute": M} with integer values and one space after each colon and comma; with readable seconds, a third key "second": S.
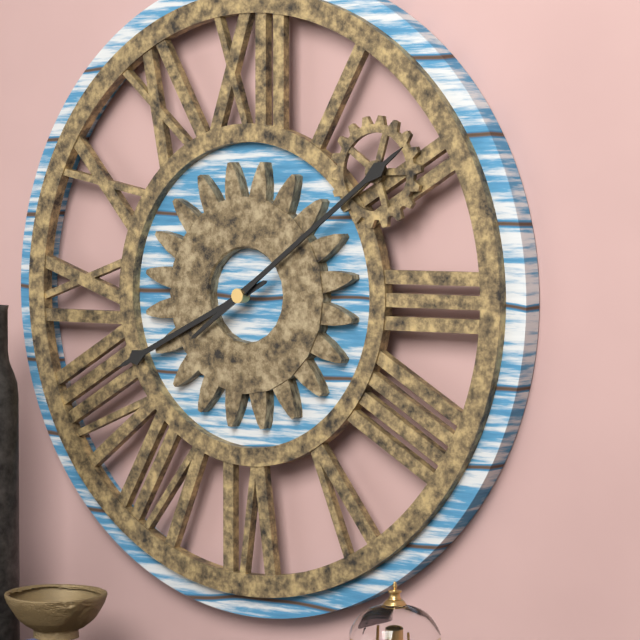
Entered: {"hour": 8, "minute": 9}
